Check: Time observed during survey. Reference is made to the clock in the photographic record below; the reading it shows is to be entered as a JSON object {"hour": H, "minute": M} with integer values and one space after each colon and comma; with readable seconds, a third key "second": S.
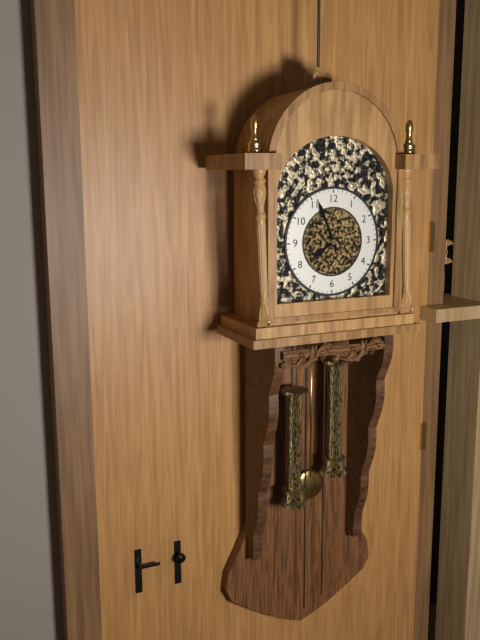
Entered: {"hour": 7, "minute": 56}
